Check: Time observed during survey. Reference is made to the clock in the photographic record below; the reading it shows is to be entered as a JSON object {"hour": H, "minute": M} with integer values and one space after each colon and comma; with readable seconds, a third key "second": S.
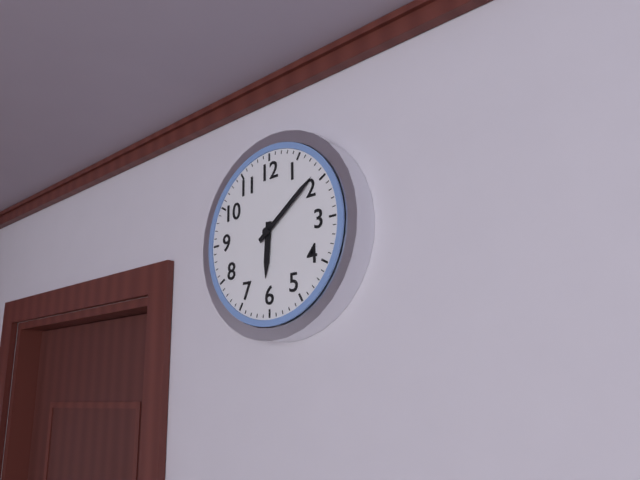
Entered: {"hour": 6, "minute": 9}
